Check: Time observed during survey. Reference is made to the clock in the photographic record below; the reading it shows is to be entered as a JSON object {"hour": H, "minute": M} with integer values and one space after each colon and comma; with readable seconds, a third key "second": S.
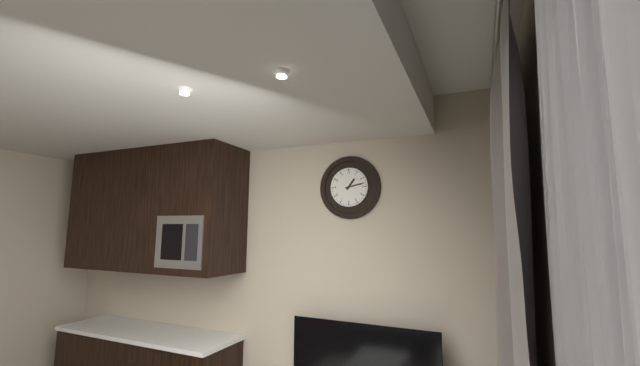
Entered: {"hour": 1, "minute": 13}
